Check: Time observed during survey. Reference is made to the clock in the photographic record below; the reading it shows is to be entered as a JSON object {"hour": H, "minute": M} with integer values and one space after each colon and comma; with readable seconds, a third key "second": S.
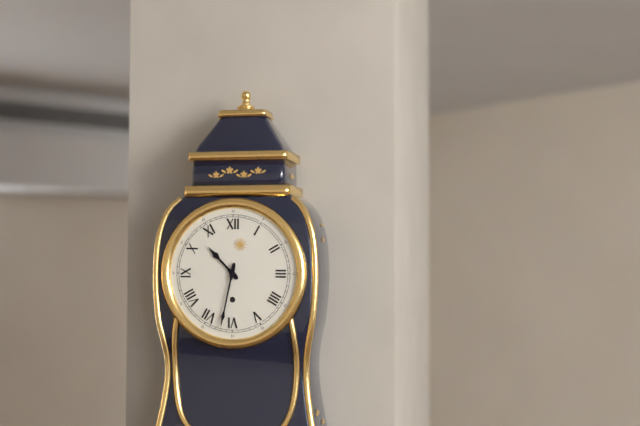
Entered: {"hour": 10, "minute": 32}
